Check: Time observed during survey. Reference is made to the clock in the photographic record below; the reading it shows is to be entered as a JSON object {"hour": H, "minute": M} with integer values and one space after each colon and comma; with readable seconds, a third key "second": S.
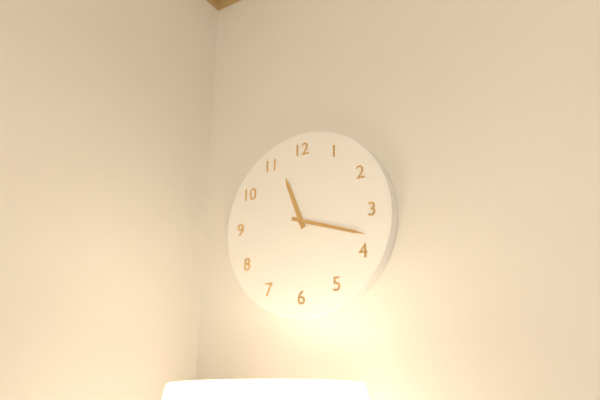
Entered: {"hour": 11, "minute": 18}
